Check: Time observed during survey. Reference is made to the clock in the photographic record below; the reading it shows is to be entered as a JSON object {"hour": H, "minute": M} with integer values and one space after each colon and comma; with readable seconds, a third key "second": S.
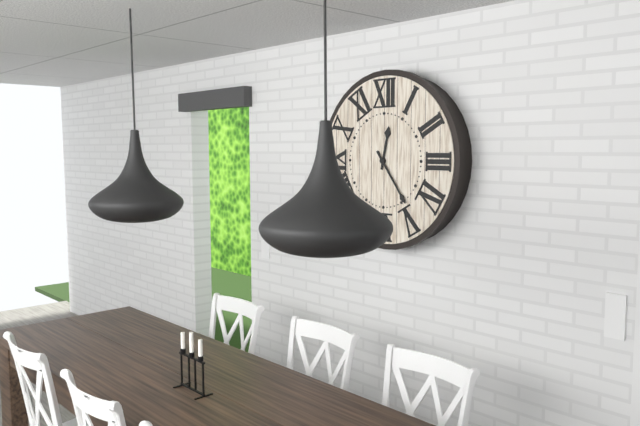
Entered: {"hour": 12, "minute": 24}
